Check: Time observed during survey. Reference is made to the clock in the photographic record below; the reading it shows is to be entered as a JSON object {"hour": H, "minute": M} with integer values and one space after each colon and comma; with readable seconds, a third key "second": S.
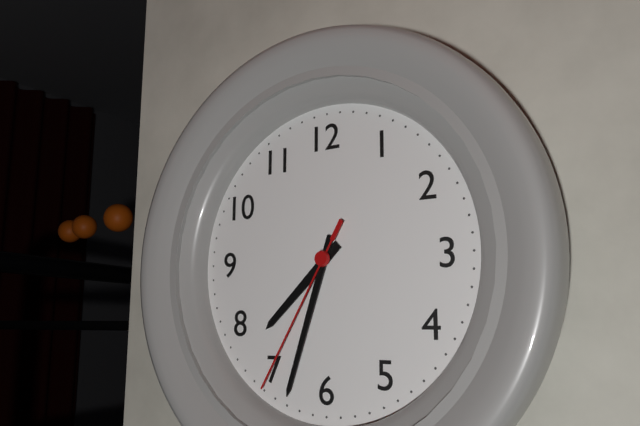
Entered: {"hour": 7, "minute": 33, "second": 35}
